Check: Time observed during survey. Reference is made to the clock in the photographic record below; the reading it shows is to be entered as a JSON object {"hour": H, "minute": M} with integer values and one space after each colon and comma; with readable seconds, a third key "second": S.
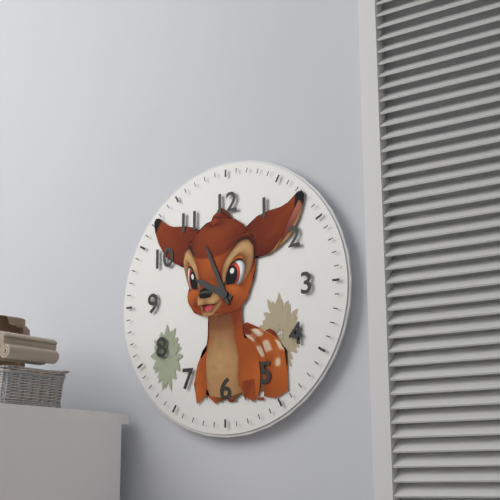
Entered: {"hour": 9, "minute": 56}
